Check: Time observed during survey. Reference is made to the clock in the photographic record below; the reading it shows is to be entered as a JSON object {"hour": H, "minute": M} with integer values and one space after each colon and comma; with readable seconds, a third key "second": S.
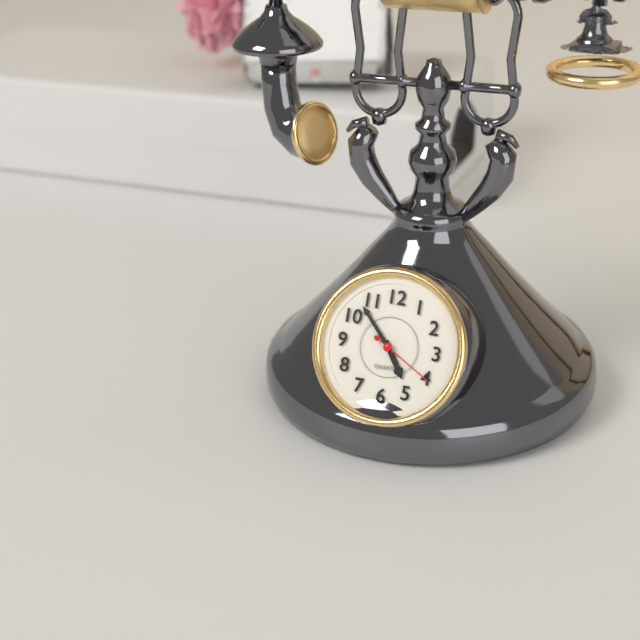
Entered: {"hour": 4, "minute": 53, "second": 20}
